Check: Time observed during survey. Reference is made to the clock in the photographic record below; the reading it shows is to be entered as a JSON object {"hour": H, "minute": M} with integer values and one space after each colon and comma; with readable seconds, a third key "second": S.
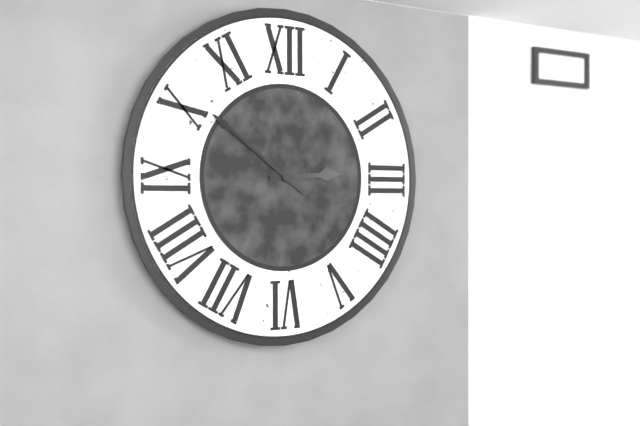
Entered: {"hour": 2, "minute": 51}
